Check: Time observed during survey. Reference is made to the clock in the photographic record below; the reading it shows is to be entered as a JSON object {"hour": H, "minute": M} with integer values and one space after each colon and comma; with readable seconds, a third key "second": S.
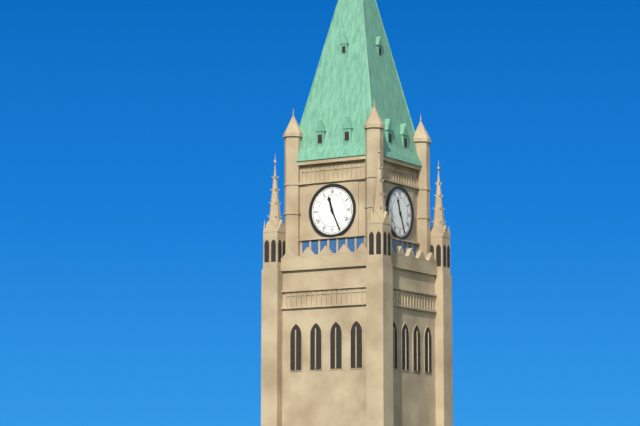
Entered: {"hour": 11, "minute": 26}
